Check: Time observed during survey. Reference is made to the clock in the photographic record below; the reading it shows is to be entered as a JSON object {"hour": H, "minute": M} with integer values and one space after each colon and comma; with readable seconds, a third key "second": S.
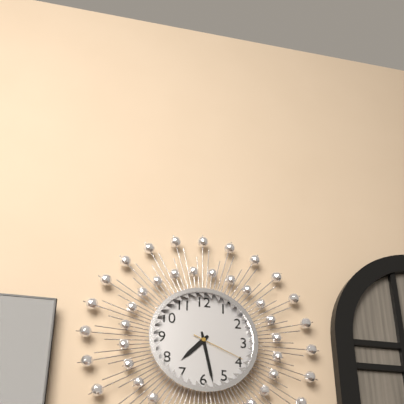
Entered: {"hour": 7, "minute": 28, "second": 19}
